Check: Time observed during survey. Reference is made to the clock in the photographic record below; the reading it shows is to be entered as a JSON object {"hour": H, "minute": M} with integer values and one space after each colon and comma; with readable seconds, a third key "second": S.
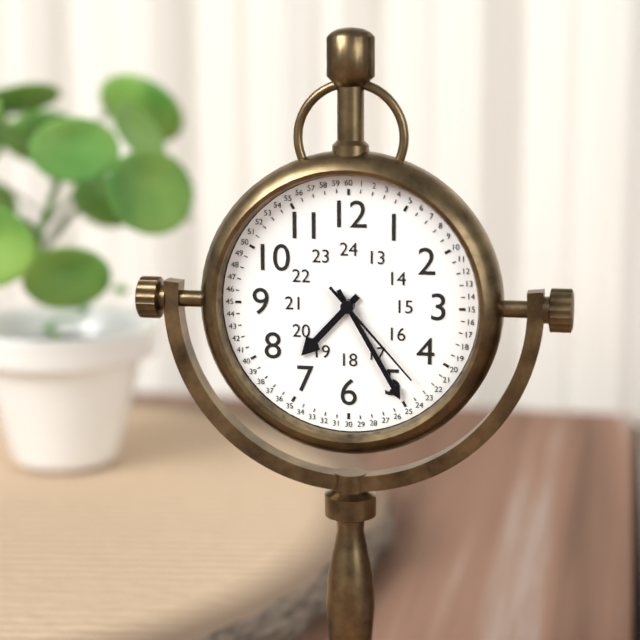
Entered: {"hour": 7, "minute": 25, "second": 23}
